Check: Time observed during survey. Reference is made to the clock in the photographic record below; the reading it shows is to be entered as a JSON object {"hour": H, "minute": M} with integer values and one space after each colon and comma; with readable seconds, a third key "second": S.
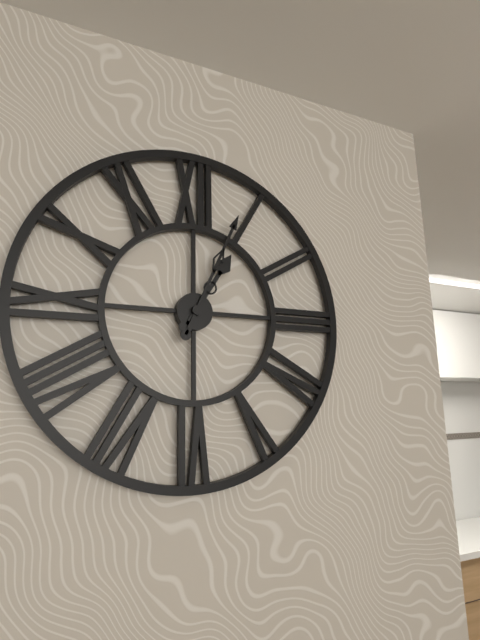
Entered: {"hour": 1, "minute": 4}
